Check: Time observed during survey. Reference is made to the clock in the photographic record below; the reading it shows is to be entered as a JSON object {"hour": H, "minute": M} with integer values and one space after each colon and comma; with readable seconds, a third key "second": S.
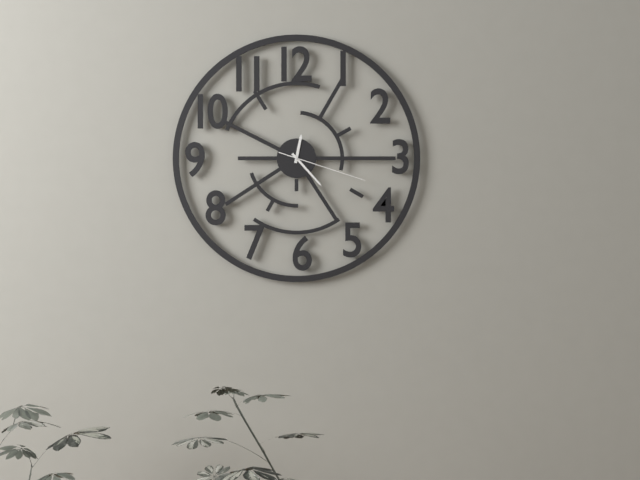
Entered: {"hour": 12, "minute": 23, "second": 18}
